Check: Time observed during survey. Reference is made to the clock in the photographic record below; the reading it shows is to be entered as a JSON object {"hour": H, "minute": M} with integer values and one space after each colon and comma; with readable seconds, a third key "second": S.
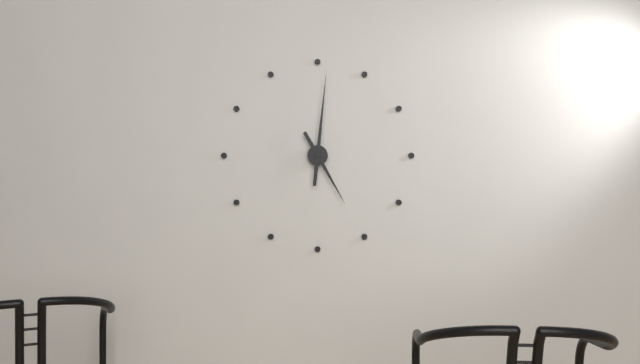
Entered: {"hour": 5, "minute": 1}
